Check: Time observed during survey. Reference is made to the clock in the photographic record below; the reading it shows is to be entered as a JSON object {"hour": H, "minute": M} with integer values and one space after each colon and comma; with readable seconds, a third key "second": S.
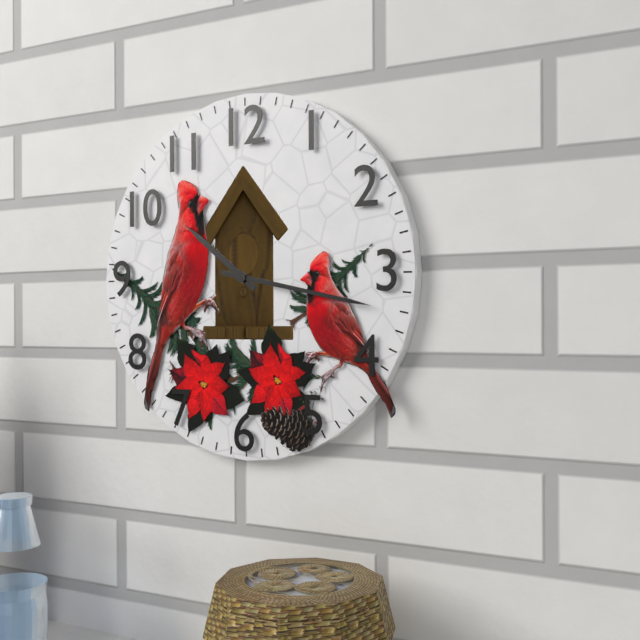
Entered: {"hour": 10, "minute": 17}
